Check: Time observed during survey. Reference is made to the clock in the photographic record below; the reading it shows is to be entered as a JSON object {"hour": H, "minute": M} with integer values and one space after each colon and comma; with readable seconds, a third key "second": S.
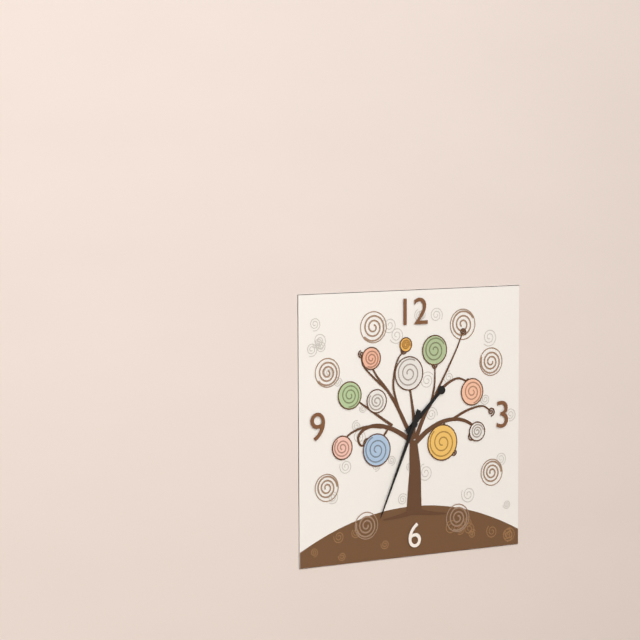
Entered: {"hour": 1, "minute": 34}
